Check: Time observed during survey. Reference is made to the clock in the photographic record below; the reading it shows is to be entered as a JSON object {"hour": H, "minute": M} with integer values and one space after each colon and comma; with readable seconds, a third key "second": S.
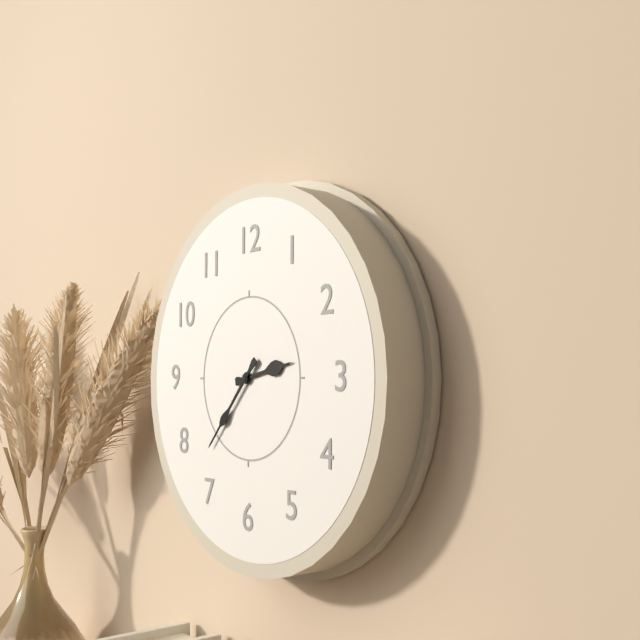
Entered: {"hour": 2, "minute": 37}
